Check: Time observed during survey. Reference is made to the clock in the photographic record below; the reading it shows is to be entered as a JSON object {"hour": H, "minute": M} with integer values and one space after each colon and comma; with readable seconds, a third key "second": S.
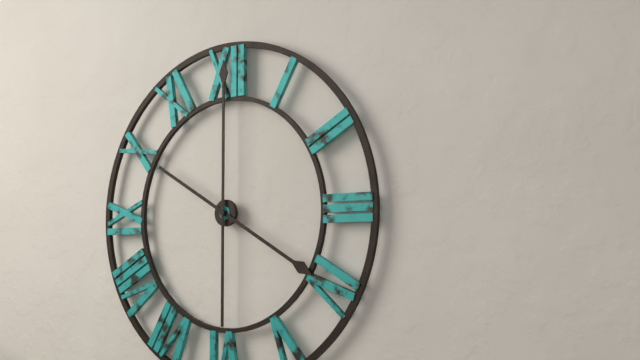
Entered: {"hour": 4, "minute": 0}
